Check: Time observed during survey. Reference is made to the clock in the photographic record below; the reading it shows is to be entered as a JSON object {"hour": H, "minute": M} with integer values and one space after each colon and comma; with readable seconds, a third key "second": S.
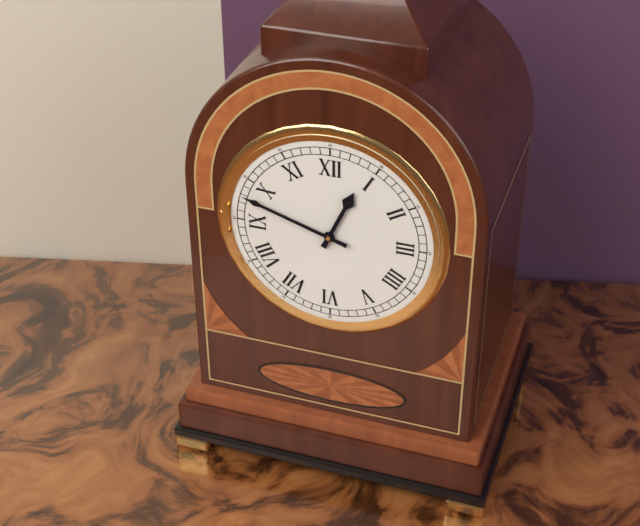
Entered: {"hour": 12, "minute": 48}
